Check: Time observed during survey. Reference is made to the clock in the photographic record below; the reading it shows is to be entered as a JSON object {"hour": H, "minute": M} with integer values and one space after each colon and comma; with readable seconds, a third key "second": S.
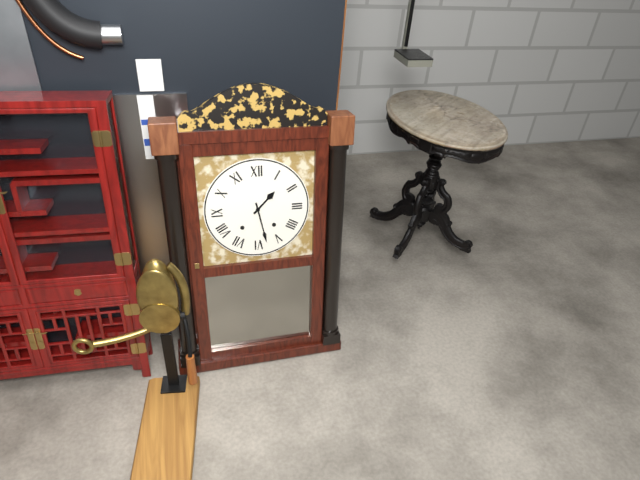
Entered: {"hour": 1, "minute": 28}
